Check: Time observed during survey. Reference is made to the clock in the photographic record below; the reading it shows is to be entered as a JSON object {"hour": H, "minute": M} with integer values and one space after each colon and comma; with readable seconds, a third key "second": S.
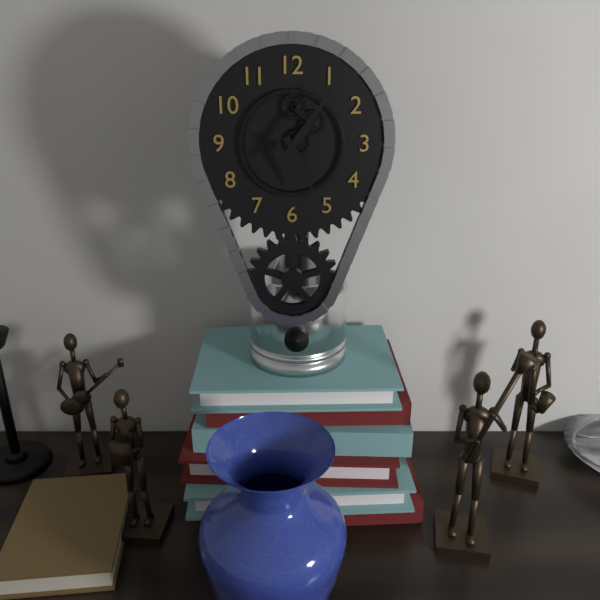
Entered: {"hour": 5, "minute": 6}
